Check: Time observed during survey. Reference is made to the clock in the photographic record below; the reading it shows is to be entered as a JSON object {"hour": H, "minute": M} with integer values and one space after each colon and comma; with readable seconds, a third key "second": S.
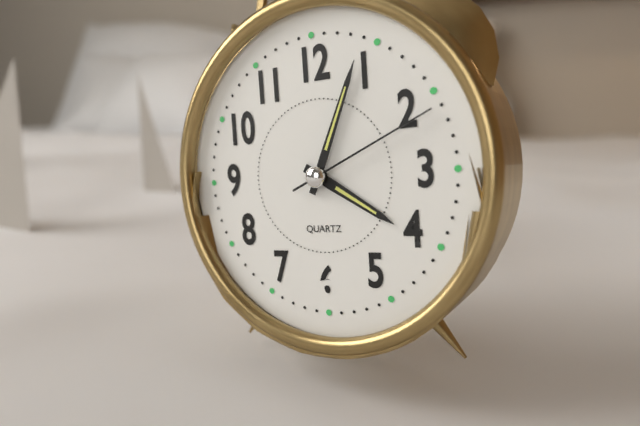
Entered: {"hour": 4, "minute": 4, "second": 11}
